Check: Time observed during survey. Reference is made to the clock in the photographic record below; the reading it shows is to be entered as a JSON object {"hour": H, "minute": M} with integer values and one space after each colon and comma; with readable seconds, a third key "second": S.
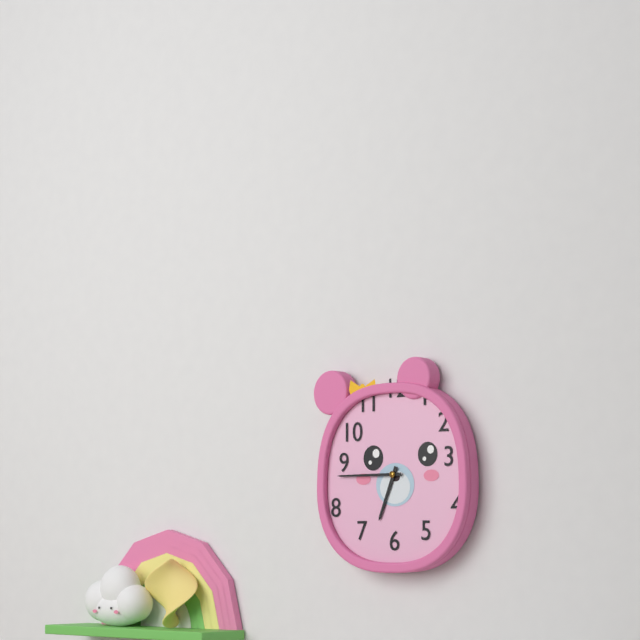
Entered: {"hour": 6, "minute": 45}
